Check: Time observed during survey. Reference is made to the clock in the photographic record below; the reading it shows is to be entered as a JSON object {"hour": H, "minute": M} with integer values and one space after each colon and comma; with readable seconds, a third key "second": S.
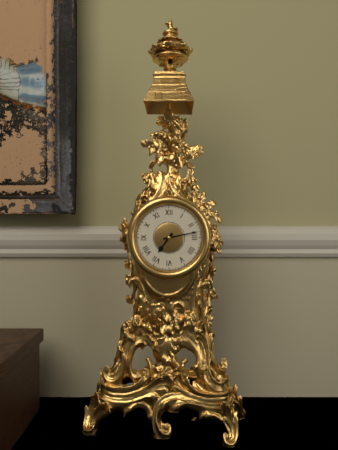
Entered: {"hour": 7, "minute": 13}
